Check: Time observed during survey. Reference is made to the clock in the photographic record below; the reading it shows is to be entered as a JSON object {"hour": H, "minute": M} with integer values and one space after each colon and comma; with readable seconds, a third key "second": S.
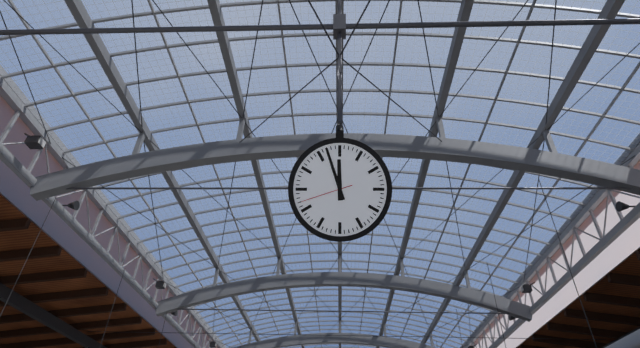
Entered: {"hour": 11, "minute": 57, "second": 42}
